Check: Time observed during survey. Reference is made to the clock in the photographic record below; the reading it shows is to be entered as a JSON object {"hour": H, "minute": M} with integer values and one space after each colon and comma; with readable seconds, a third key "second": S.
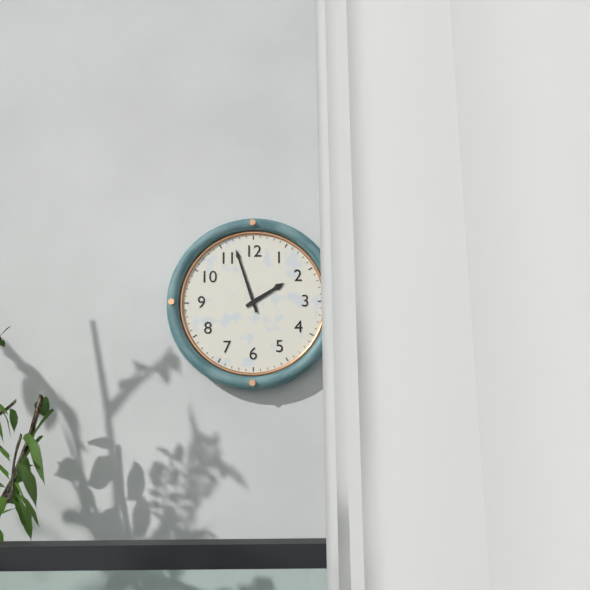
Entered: {"hour": 1, "minute": 57}
